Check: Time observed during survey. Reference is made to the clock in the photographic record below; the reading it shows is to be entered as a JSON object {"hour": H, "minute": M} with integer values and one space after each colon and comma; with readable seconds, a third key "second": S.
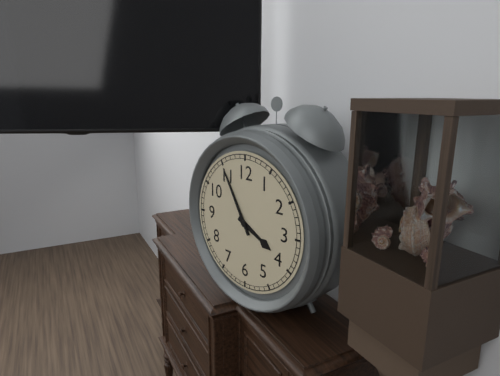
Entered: {"hour": 3, "minute": 55}
